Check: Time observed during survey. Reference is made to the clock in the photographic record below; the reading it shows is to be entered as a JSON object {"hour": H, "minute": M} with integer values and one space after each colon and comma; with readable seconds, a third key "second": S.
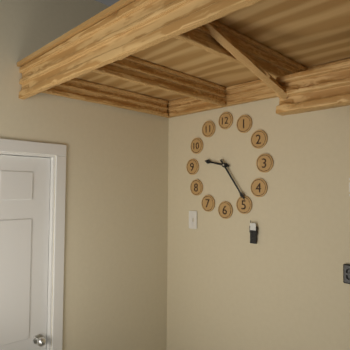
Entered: {"hour": 9, "minute": 24}
